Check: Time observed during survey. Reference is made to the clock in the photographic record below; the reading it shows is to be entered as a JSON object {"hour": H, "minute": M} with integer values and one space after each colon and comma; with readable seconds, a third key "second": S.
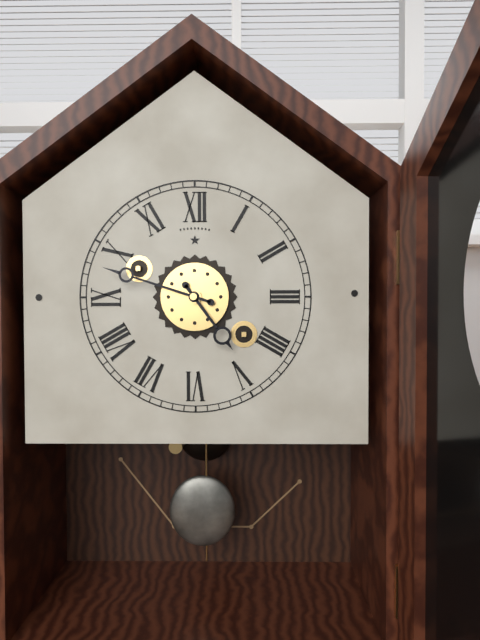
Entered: {"hour": 4, "minute": 48}
